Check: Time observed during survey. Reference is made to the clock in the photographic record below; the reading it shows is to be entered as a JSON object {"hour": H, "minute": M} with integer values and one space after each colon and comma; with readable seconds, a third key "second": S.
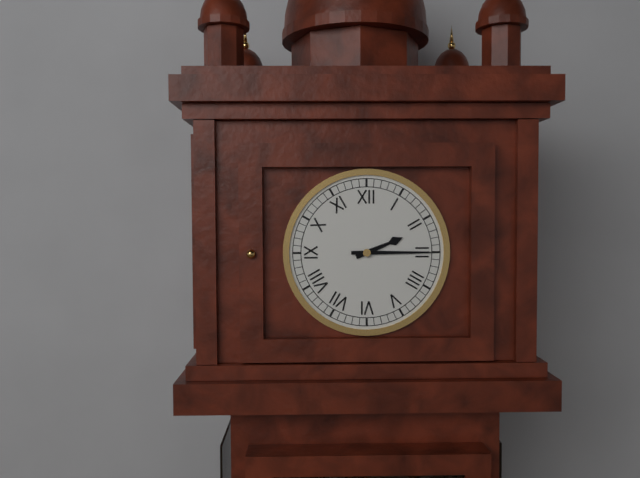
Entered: {"hour": 2, "minute": 15}
